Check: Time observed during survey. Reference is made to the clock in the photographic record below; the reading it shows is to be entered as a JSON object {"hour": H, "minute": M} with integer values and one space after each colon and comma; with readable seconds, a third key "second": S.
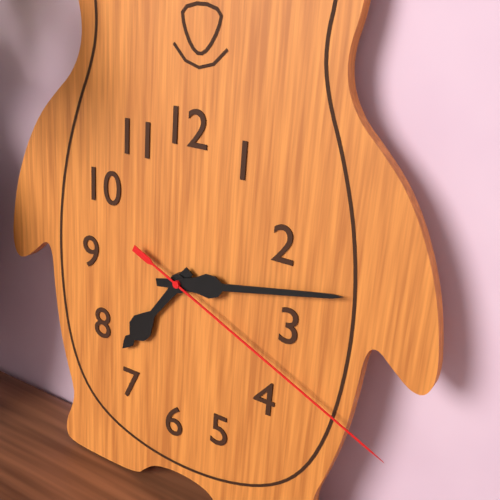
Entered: {"hour": 7, "minute": 13, "second": 19}
